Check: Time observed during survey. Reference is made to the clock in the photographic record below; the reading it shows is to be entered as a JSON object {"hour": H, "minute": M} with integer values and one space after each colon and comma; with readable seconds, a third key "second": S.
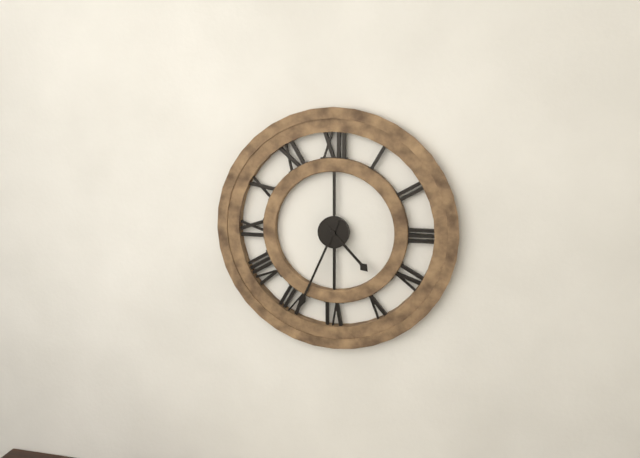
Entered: {"hour": 4, "minute": 34}
